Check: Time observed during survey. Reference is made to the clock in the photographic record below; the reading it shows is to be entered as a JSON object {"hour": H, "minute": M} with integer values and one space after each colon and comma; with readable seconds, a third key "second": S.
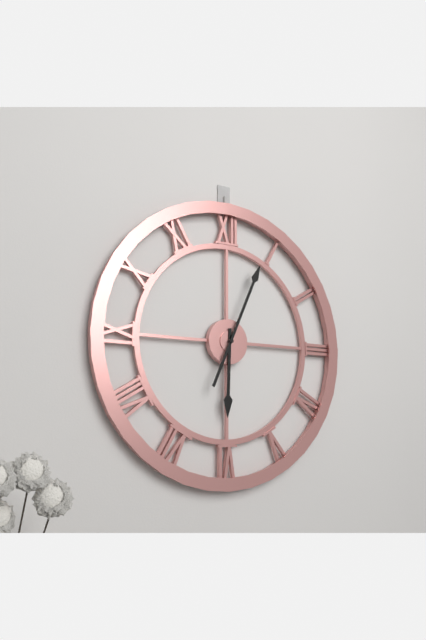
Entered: {"hour": 6, "minute": 4}
